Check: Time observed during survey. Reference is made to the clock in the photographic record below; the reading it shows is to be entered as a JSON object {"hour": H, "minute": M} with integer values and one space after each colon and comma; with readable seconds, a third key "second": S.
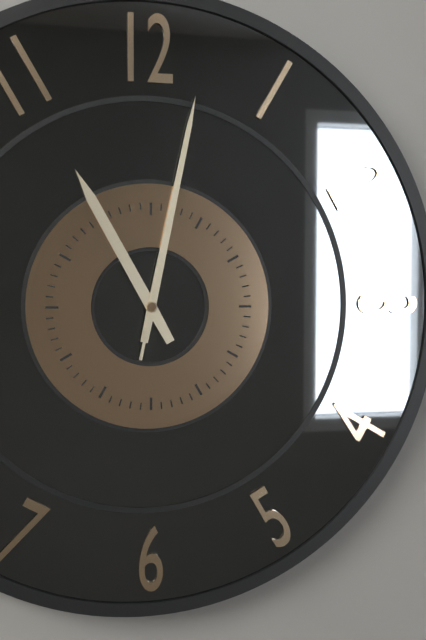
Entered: {"hour": 11, "minute": 2, "second": 2}
